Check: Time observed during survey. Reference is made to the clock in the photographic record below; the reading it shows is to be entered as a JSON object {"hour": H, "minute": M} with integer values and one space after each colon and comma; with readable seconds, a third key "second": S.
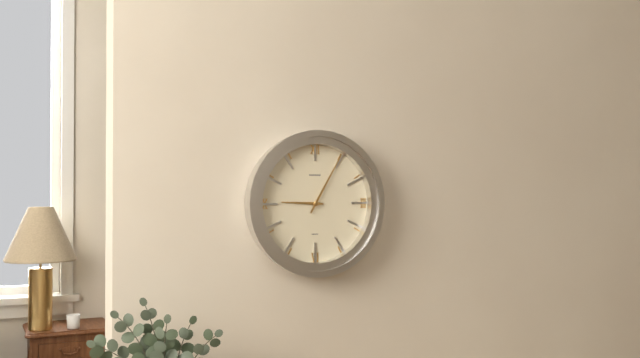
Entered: {"hour": 9, "minute": 5}
